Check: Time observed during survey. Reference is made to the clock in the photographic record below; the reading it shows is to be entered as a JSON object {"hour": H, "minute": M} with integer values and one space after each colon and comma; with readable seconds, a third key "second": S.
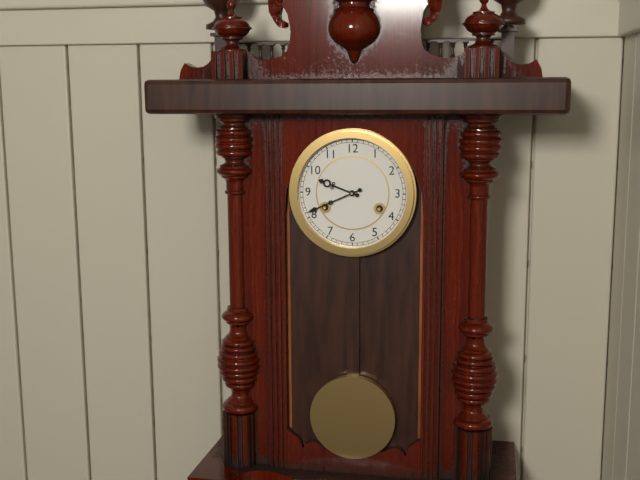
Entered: {"hour": 9, "minute": 41}
